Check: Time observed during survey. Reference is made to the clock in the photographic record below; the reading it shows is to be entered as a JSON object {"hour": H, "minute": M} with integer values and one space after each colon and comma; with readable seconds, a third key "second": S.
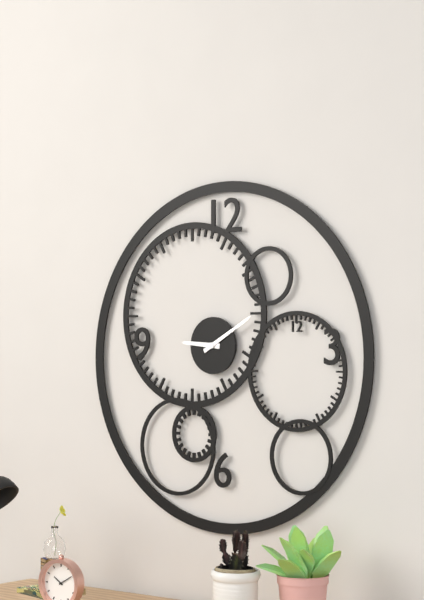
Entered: {"hour": 9, "minute": 10}
